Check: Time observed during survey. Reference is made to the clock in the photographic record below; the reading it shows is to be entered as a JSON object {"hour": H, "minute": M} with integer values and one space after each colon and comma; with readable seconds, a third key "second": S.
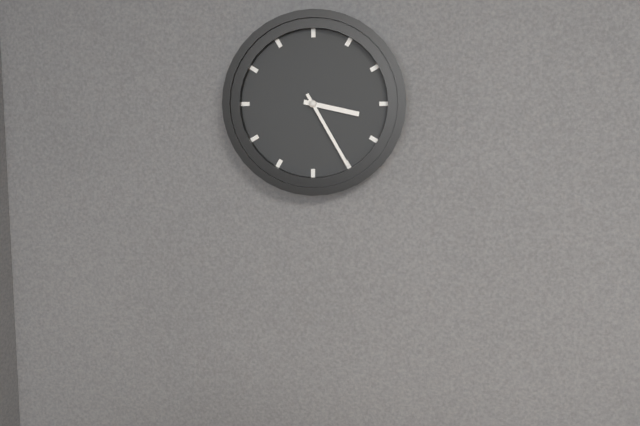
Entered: {"hour": 3, "minute": 25}
